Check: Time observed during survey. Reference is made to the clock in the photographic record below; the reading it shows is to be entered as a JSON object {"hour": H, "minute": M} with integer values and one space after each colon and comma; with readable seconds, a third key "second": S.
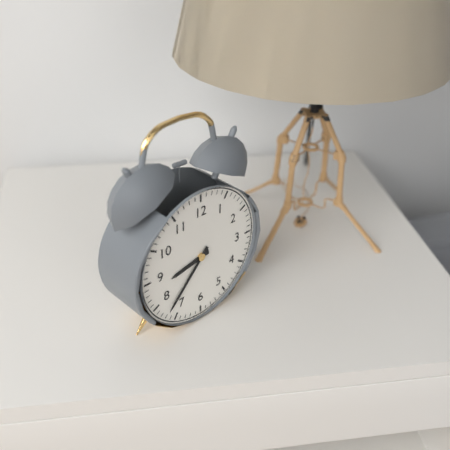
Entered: {"hour": 8, "minute": 37}
